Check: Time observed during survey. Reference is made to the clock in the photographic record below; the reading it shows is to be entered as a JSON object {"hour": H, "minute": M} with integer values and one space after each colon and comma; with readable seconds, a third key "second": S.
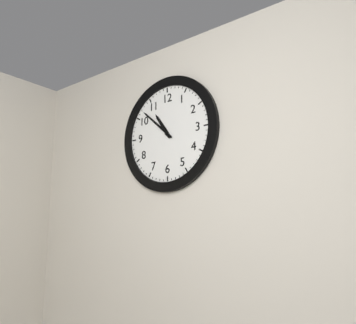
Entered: {"hour": 10, "minute": 52}
